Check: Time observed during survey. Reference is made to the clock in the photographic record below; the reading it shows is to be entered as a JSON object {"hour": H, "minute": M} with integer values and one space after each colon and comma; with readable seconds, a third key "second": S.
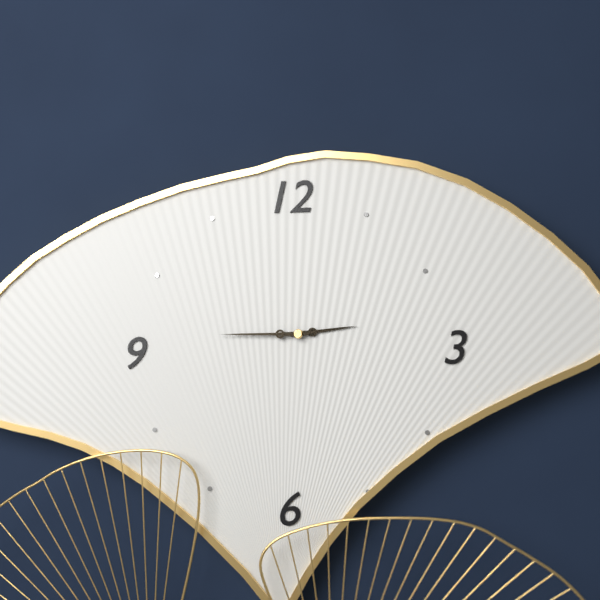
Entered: {"hour": 2, "minute": 45}
